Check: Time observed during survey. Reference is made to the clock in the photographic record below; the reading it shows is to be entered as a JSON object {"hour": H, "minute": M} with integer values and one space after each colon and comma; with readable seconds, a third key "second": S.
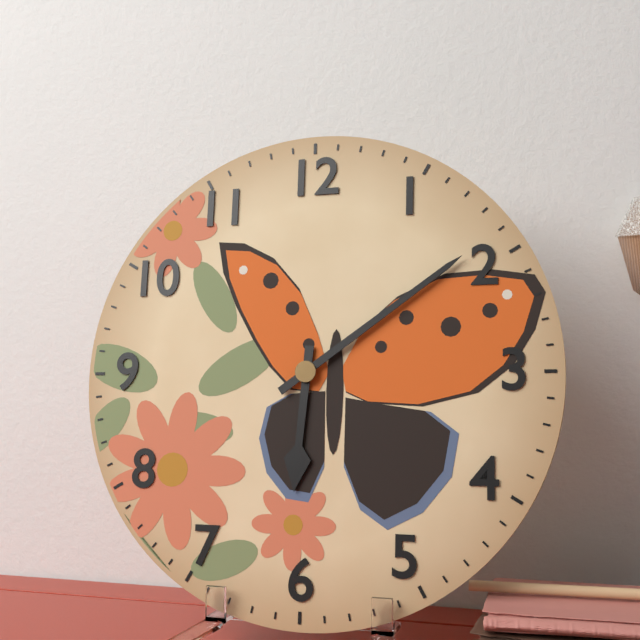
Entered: {"hour": 6, "minute": 9}
